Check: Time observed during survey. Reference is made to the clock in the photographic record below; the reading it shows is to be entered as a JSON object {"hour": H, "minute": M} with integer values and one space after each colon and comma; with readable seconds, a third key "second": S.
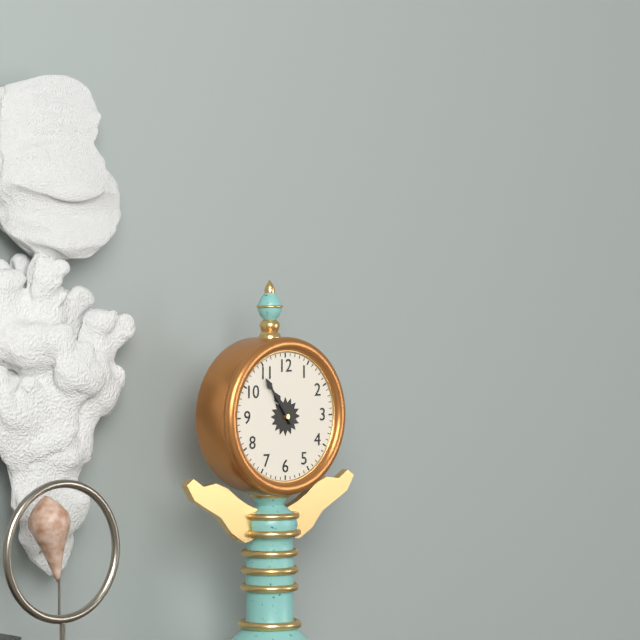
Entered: {"hour": 10, "minute": 54}
